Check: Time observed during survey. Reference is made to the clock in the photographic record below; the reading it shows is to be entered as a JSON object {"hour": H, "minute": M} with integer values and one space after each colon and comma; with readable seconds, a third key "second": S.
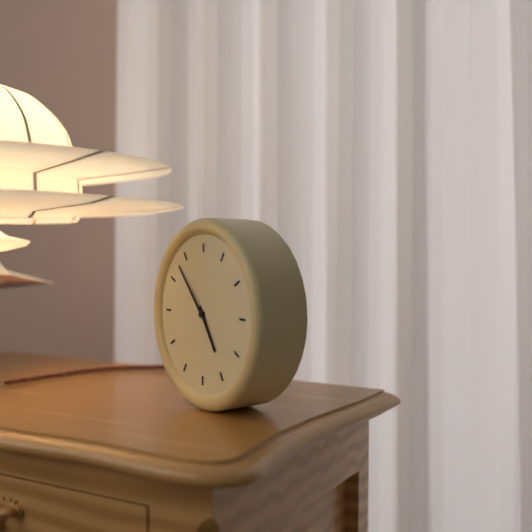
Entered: {"hour": 4, "minute": 53}
